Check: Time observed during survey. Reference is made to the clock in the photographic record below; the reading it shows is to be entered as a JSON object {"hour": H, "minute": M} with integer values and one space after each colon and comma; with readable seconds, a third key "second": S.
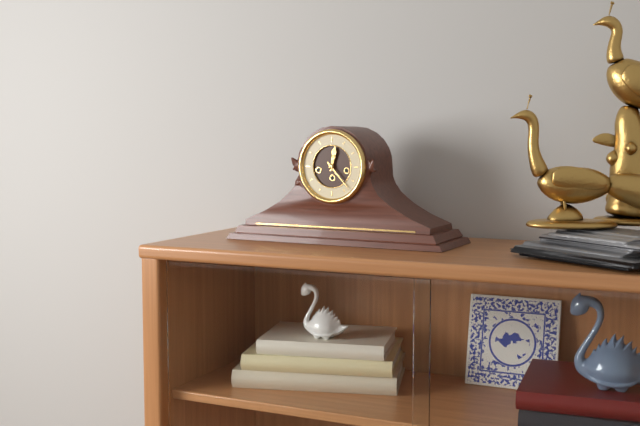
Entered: {"hour": 12, "minute": 23}
